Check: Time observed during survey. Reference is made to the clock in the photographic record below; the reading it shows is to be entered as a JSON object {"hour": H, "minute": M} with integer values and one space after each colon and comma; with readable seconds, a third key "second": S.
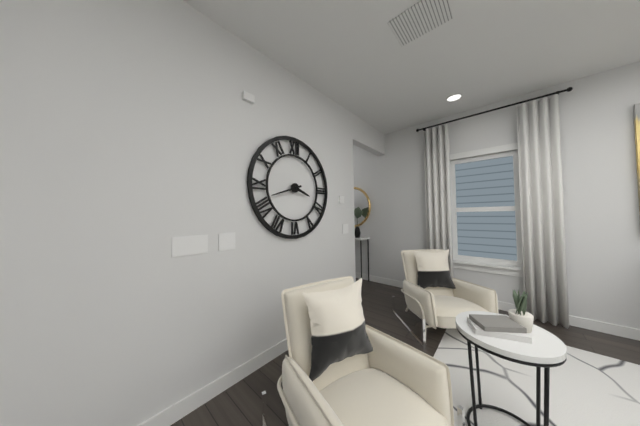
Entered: {"hour": 3, "minute": 42}
